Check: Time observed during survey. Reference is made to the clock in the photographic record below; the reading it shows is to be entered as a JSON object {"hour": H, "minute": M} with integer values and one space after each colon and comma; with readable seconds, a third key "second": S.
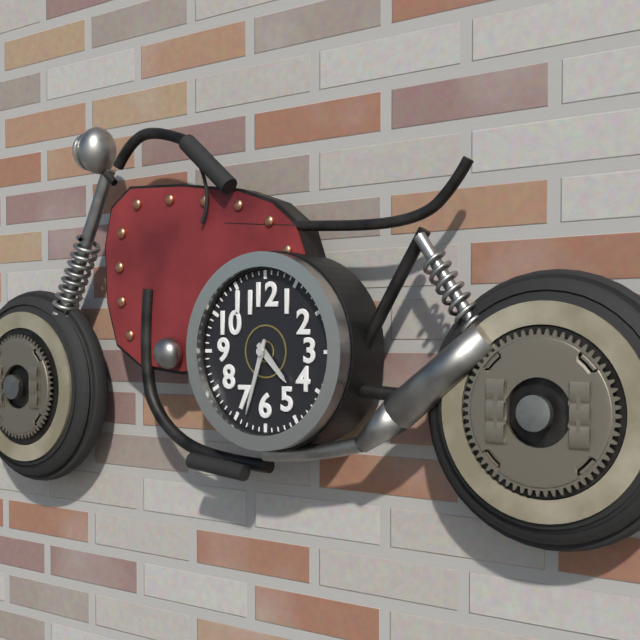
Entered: {"hour": 4, "minute": 33}
